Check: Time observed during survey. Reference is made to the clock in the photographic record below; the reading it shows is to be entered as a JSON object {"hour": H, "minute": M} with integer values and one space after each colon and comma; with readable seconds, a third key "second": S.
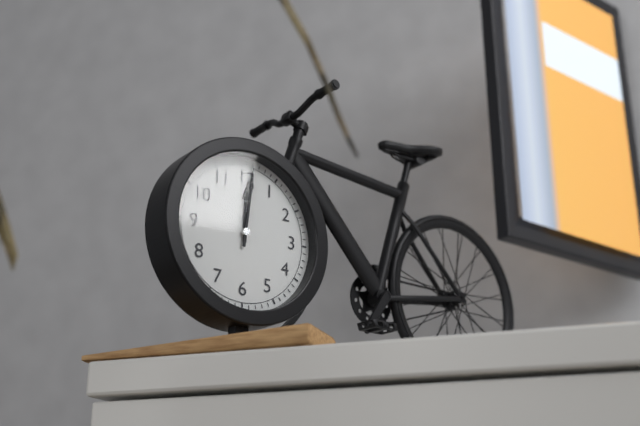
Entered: {"hour": 12, "minute": 1}
